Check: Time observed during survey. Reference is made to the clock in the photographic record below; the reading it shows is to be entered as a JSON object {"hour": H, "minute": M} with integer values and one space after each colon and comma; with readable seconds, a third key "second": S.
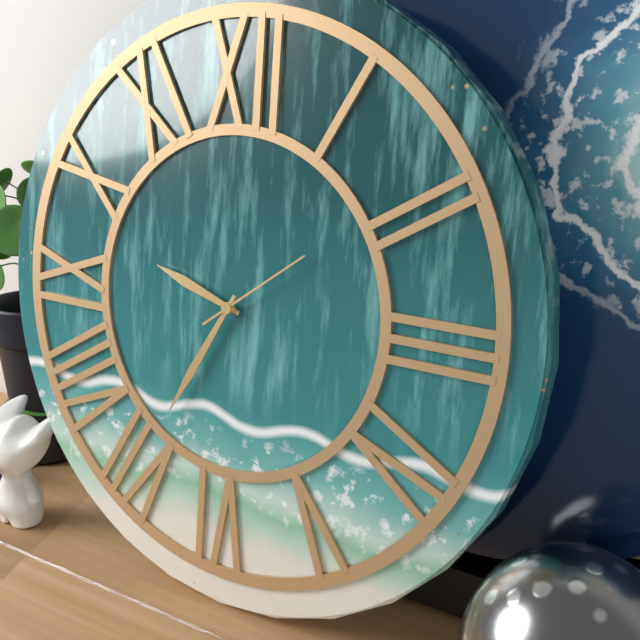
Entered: {"hour": 9, "minute": 35, "second": 9}
